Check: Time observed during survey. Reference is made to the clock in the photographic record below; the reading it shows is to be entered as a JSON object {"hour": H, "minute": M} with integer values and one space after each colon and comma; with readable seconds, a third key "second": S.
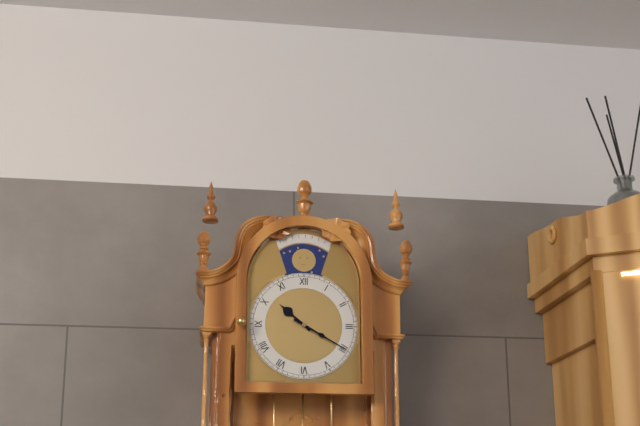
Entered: {"hour": 10, "minute": 20}
